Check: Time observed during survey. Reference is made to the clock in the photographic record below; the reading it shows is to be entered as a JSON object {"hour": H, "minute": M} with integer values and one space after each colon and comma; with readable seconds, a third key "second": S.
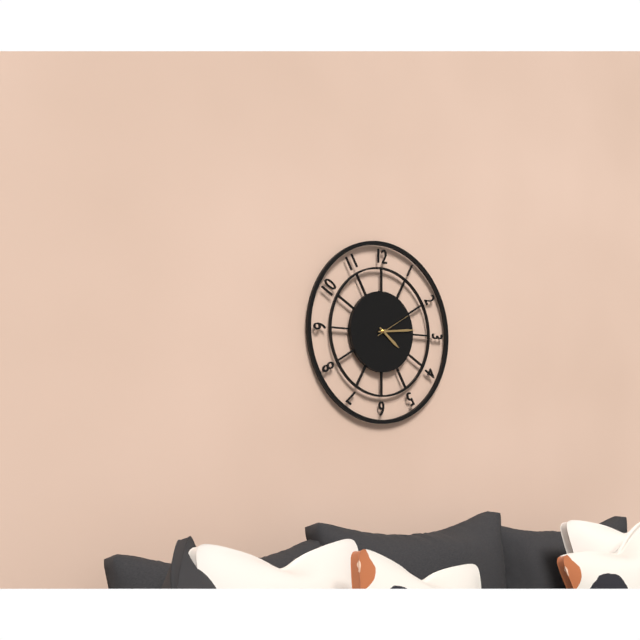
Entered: {"hour": 4, "minute": 14}
